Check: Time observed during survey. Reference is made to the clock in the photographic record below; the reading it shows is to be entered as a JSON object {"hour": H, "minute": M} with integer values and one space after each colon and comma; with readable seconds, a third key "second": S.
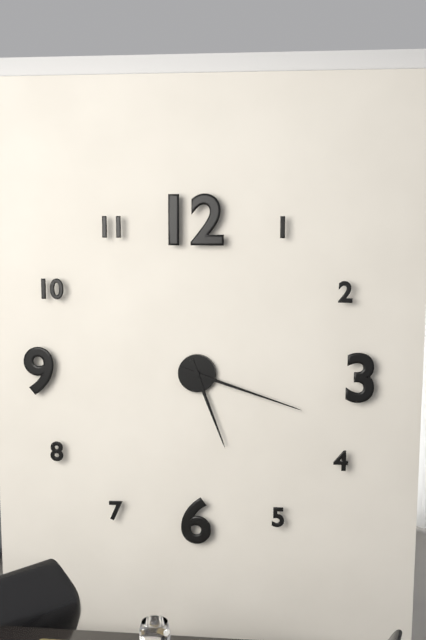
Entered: {"hour": 5, "minute": 18}
